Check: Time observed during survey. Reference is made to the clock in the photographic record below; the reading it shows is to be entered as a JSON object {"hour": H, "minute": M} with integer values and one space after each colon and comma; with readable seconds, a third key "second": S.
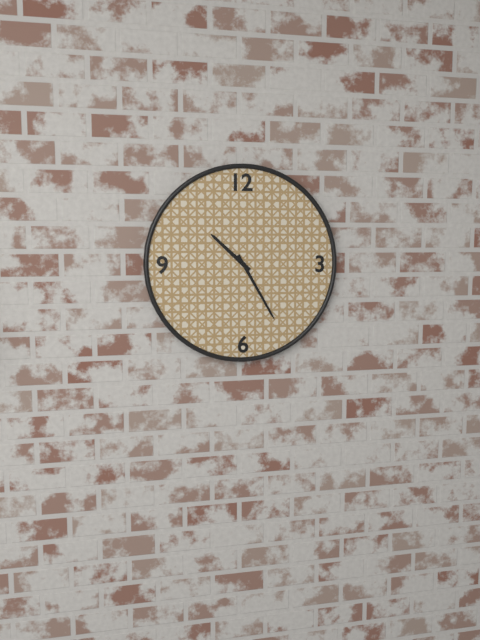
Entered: {"hour": 10, "minute": 25}
